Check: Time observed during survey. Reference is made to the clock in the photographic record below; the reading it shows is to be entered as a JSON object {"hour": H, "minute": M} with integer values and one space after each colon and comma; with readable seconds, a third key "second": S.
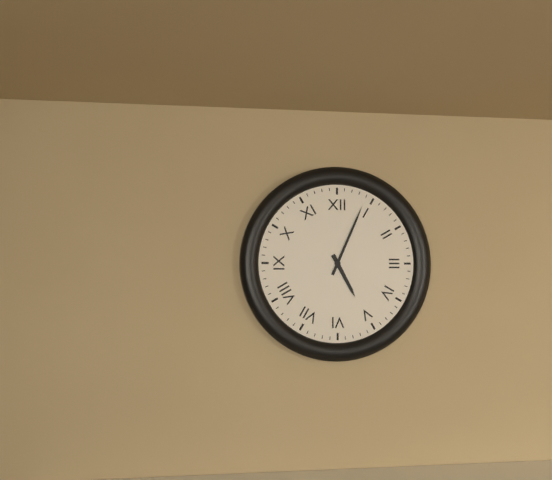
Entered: {"hour": 5, "minute": 4}
